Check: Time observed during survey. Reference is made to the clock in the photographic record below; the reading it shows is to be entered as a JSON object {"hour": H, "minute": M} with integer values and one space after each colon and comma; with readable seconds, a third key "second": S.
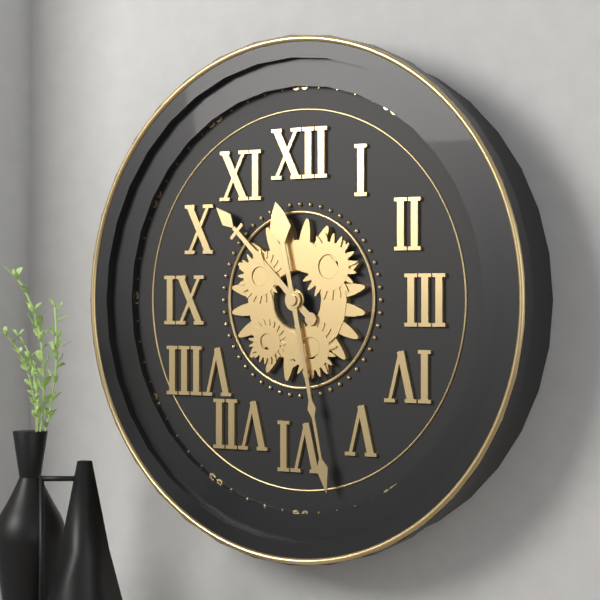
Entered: {"hour": 10, "minute": 28}
